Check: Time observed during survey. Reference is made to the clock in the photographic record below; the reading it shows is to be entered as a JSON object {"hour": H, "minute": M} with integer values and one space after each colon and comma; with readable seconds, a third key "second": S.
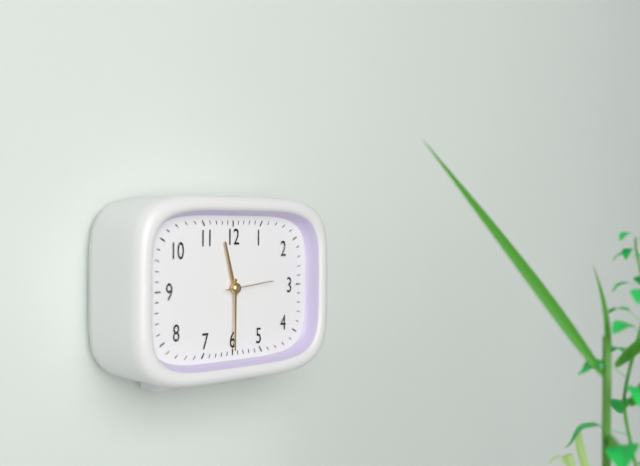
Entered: {"hour": 11, "minute": 30}
